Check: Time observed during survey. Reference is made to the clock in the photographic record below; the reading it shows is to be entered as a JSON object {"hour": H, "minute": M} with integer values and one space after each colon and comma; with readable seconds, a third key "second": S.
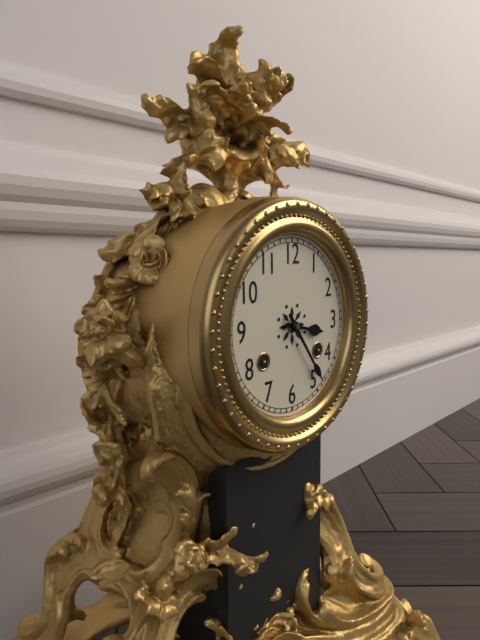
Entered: {"hour": 3, "minute": 24}
